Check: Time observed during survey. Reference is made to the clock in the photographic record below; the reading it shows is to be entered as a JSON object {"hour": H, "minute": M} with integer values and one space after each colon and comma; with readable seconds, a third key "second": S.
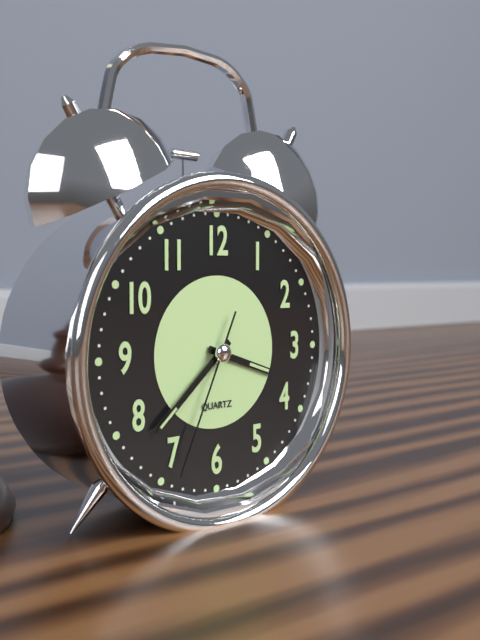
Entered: {"hour": 3, "minute": 38, "second": 34}
